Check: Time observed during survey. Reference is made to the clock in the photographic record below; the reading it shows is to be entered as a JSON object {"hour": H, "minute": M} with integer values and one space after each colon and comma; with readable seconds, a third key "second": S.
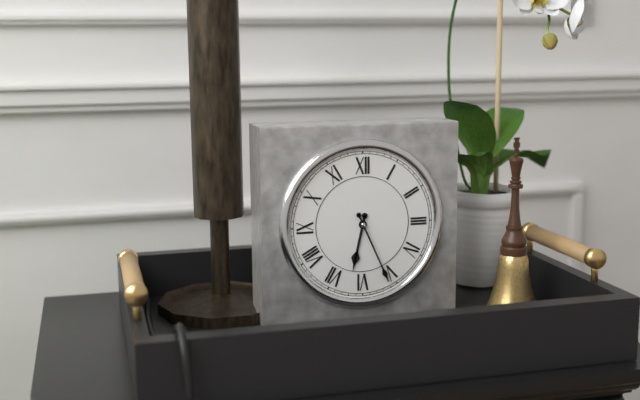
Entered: {"hour": 6, "minute": 26}
